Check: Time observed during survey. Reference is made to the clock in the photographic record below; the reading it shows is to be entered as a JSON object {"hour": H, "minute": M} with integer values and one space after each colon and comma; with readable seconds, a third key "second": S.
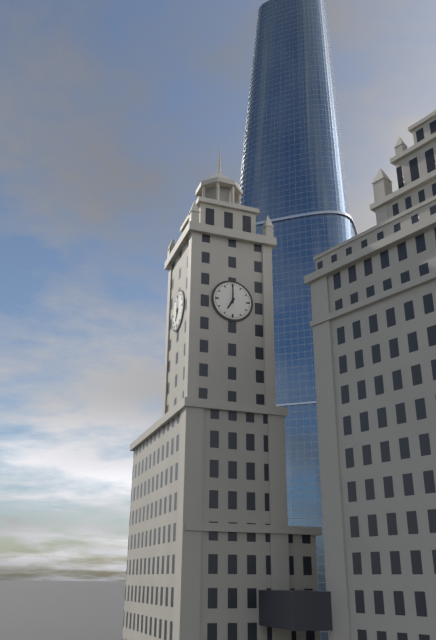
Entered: {"hour": 7, "minute": 0}
